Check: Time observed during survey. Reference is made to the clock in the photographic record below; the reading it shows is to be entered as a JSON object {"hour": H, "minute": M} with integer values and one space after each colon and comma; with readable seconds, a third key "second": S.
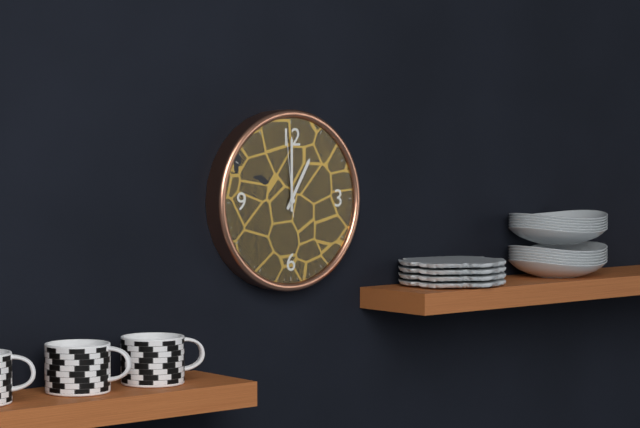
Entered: {"hour": 1, "minute": 0, "second": 59}
